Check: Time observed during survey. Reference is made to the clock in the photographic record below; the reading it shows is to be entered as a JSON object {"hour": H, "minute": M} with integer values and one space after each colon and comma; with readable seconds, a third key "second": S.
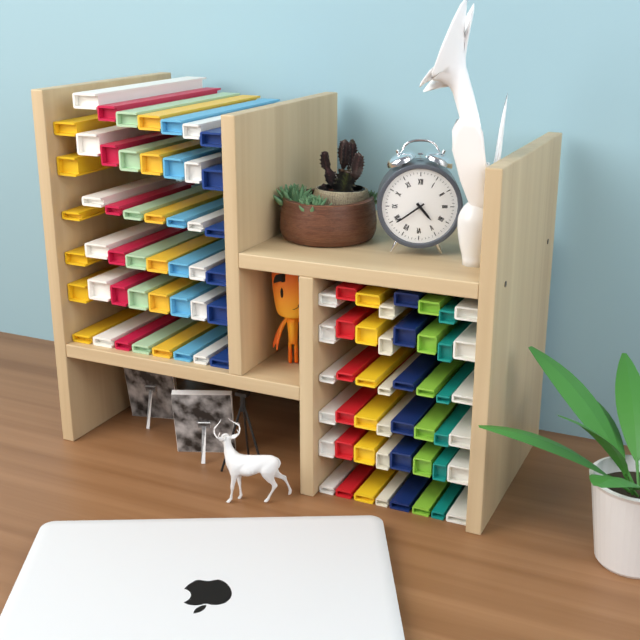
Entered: {"hour": 4, "minute": 39}
